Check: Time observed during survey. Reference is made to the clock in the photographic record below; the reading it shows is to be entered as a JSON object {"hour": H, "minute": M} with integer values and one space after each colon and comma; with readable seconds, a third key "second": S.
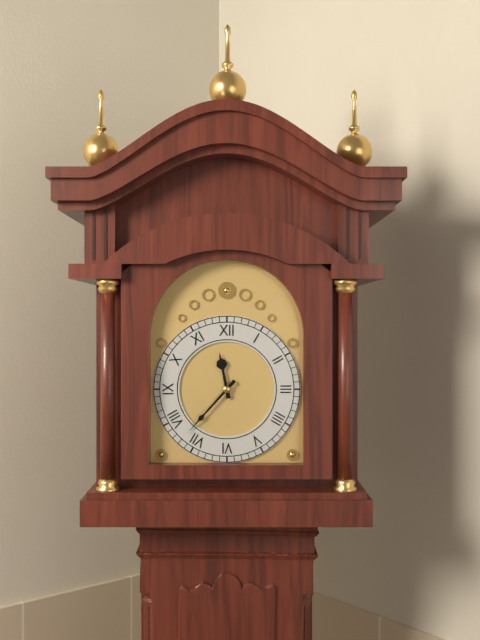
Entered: {"hour": 11, "minute": 37}
